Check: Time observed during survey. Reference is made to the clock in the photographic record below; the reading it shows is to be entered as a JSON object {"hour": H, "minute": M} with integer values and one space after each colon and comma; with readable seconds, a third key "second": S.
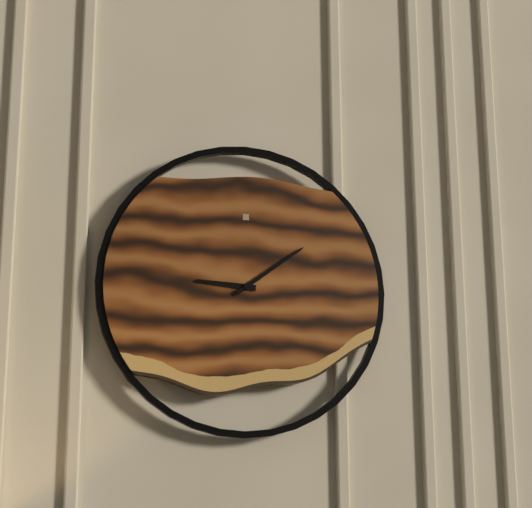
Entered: {"hour": 9, "minute": 9}
